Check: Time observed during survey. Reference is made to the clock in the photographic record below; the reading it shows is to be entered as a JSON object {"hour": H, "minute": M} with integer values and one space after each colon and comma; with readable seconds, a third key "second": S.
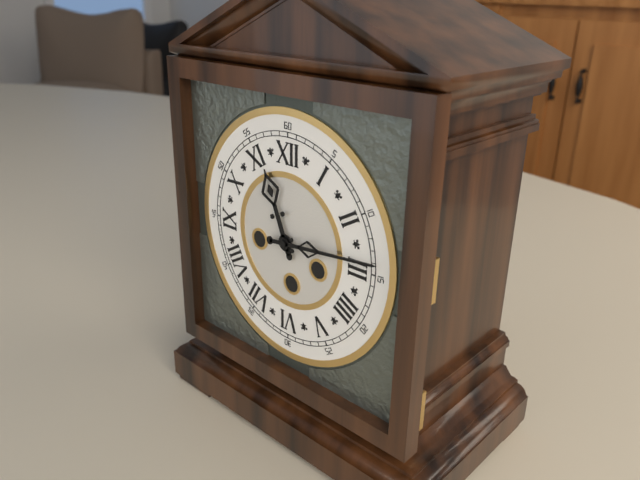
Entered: {"hour": 11, "minute": 14}
